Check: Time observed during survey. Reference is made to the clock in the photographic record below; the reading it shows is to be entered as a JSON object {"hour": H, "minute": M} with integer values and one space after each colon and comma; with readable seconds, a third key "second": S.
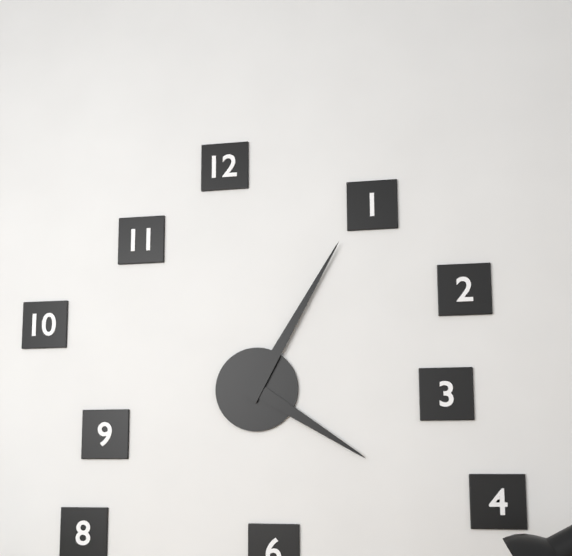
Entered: {"hour": 4, "minute": 5}
